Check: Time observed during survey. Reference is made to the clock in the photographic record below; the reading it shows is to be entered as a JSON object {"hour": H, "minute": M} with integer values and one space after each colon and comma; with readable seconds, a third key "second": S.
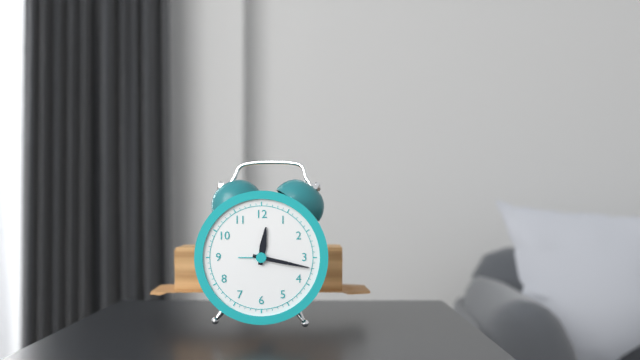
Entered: {"hour": 12, "minute": 17}
